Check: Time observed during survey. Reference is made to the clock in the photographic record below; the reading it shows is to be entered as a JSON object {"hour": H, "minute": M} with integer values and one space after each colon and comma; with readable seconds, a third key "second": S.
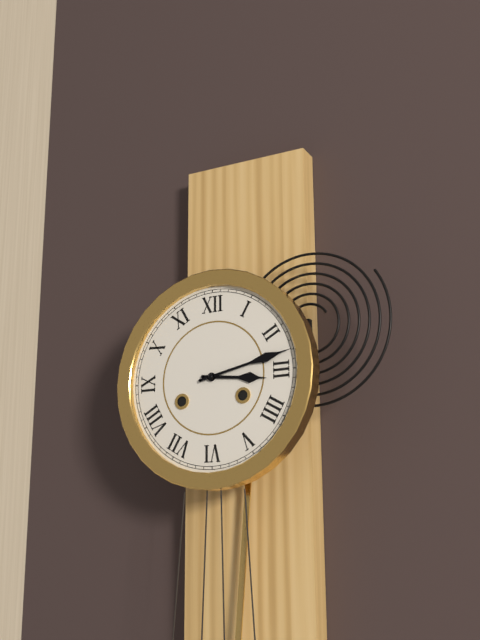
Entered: {"hour": 3, "minute": 13}
